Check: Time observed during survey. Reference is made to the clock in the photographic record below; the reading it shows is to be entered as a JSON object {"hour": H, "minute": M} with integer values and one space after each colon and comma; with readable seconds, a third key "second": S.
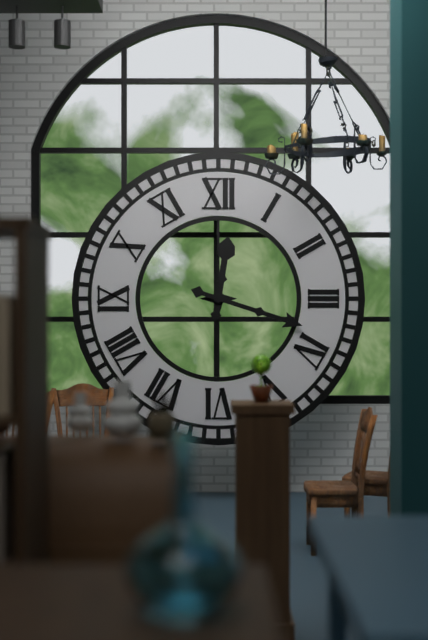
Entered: {"hour": 12, "minute": 18}
